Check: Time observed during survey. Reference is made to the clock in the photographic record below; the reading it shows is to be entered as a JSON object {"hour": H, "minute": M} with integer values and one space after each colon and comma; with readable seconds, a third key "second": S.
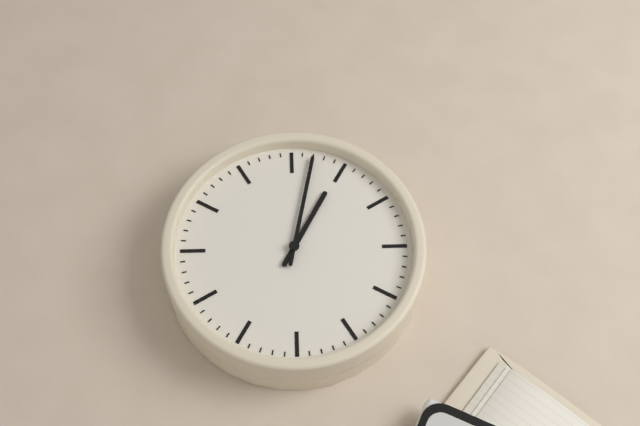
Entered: {"hour": 11, "minute": 57}
